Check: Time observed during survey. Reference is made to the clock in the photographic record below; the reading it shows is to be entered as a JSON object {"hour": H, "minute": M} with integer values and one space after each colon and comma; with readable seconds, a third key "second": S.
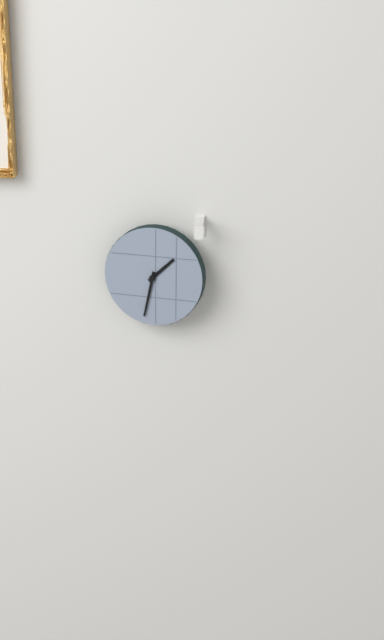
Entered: {"hour": 1, "minute": 32}
